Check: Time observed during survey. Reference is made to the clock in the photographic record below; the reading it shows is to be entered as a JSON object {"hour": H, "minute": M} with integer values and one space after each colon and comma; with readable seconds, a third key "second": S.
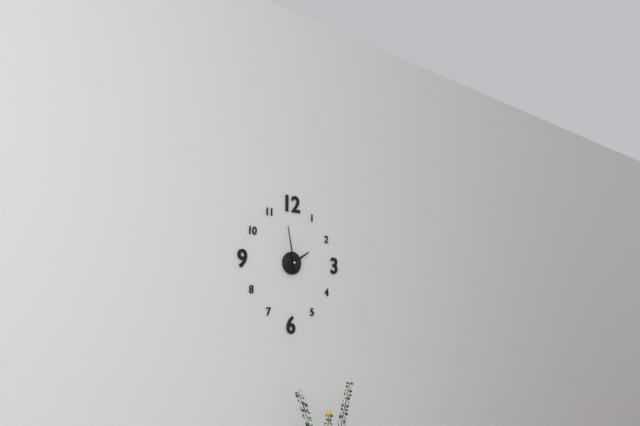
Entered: {"hour": 1, "minute": 58}
